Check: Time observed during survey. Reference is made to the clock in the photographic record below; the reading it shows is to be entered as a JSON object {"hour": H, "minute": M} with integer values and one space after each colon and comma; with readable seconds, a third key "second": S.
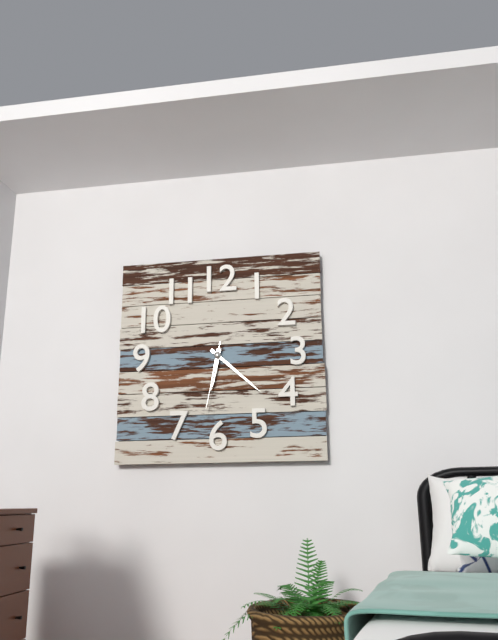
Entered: {"hour": 6, "minute": 22, "second": 32}
